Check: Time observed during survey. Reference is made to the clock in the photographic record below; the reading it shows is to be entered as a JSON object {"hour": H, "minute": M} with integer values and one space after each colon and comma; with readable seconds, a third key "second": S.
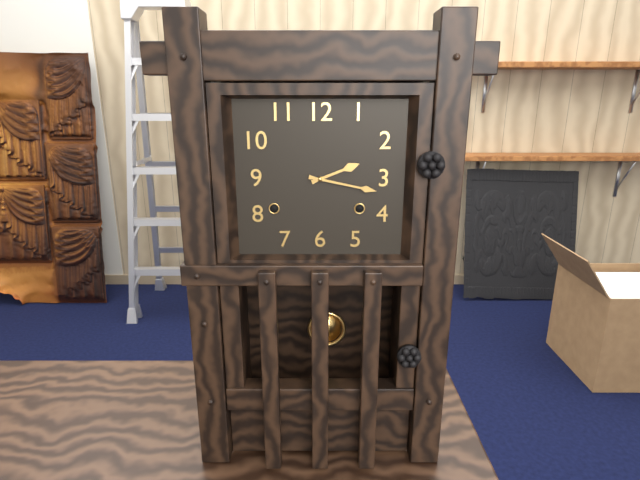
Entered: {"hour": 2, "minute": 17}
